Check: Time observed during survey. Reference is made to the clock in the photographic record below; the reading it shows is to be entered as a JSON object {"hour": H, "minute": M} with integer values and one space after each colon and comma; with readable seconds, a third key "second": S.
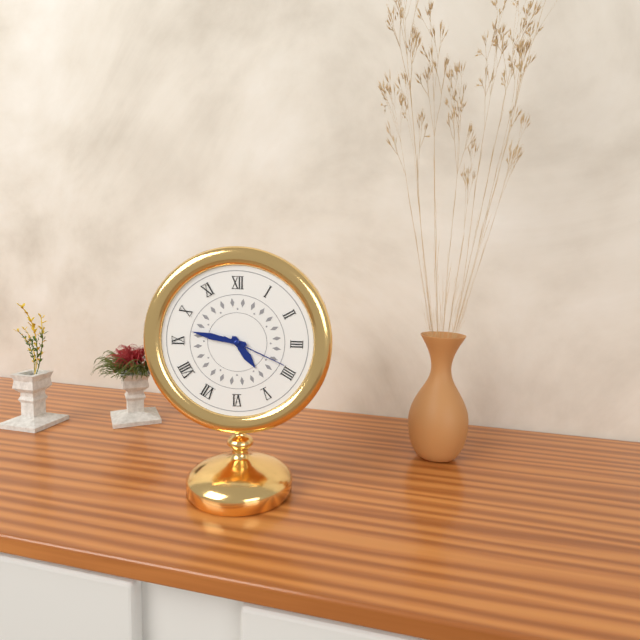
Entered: {"hour": 4, "minute": 47, "second": 19}
